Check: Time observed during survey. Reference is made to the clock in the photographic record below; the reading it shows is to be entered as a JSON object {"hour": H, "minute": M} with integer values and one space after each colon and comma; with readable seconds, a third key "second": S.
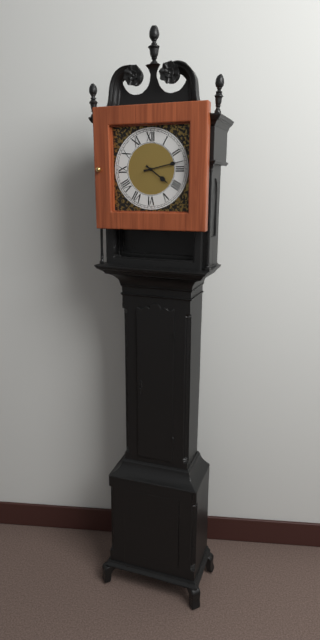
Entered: {"hour": 4, "minute": 13}
